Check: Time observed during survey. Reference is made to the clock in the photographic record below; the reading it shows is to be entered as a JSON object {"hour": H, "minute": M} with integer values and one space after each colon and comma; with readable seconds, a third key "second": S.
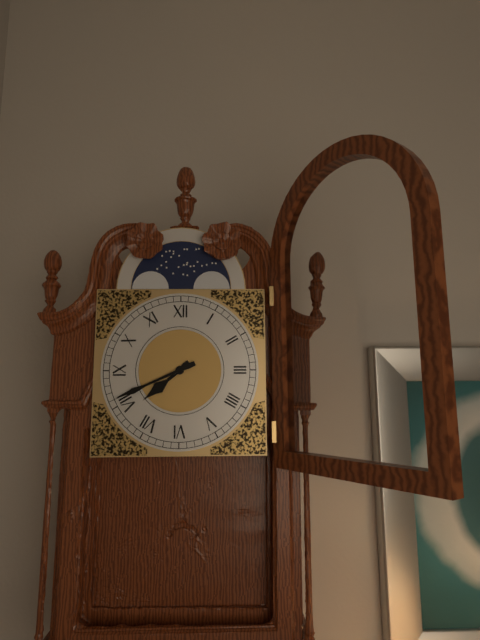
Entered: {"hour": 7, "minute": 41}
